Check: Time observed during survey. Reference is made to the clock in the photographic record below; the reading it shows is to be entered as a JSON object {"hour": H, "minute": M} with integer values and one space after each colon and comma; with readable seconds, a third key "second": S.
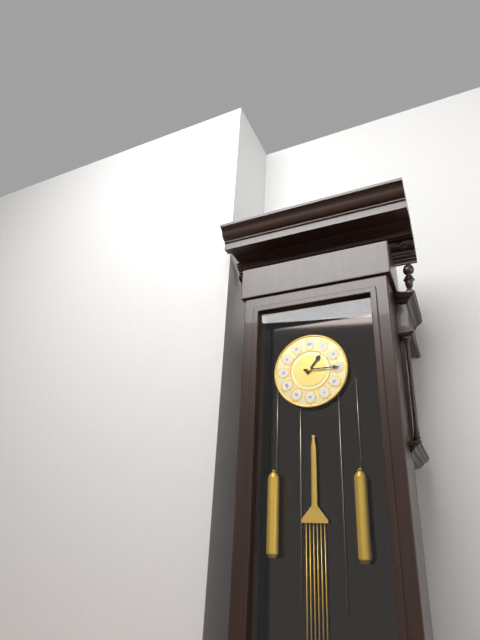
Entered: {"hour": 1, "minute": 15}
